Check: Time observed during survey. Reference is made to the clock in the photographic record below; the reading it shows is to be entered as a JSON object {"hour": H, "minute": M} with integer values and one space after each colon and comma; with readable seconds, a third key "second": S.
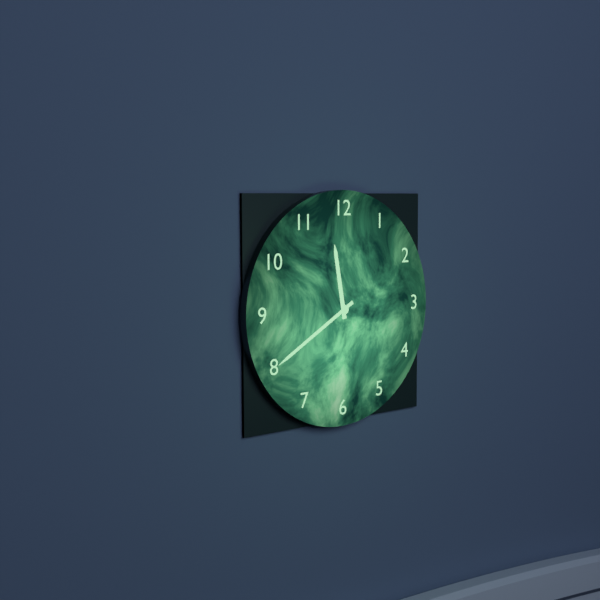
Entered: {"hour": 11, "minute": 40}
